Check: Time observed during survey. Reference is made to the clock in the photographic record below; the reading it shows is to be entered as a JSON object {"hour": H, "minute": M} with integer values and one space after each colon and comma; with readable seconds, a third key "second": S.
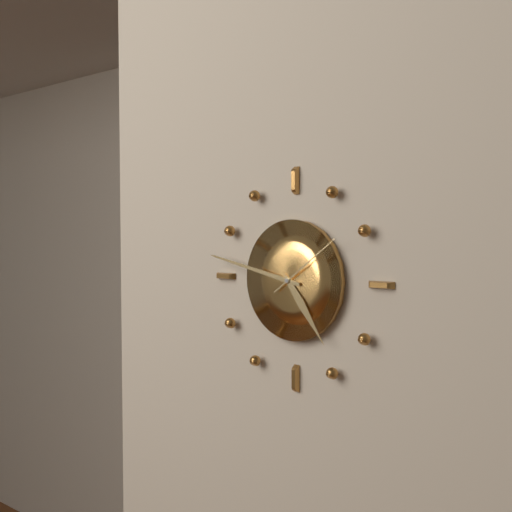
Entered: {"hour": 4, "minute": 47, "second": 9}
